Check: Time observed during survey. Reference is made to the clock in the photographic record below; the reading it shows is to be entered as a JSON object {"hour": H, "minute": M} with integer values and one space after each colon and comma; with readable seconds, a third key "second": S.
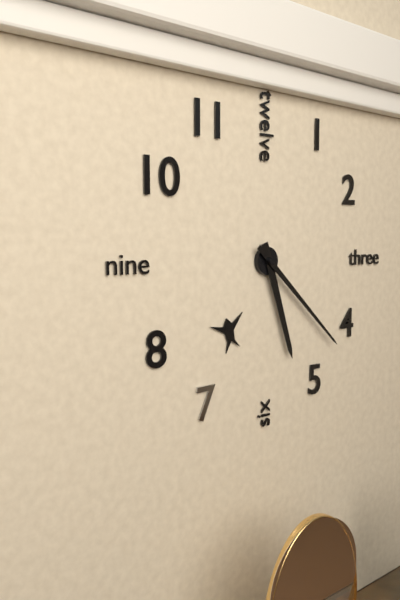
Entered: {"hour": 5, "minute": 22}
